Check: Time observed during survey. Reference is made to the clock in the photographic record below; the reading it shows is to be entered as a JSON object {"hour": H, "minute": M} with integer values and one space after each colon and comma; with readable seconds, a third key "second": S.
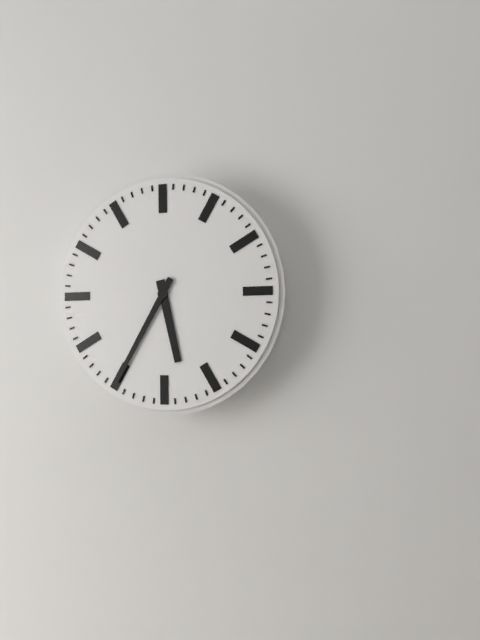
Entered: {"hour": 5, "minute": 35}
